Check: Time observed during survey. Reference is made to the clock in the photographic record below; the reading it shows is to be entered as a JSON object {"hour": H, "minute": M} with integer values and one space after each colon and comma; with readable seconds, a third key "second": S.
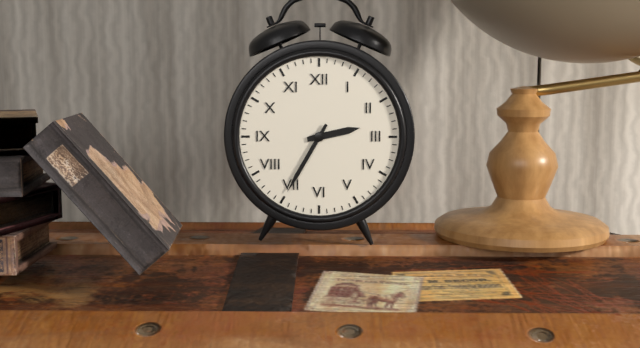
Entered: {"hour": 2, "minute": 35}
